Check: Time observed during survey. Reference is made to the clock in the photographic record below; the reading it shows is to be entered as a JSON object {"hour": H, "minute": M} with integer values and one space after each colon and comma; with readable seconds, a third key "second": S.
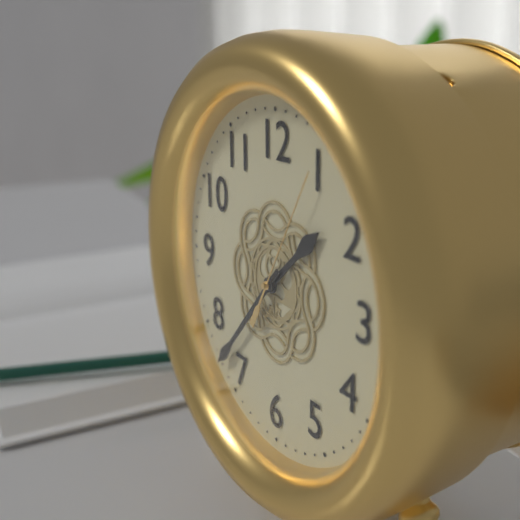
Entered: {"hour": 1, "minute": 37, "second": 5}
